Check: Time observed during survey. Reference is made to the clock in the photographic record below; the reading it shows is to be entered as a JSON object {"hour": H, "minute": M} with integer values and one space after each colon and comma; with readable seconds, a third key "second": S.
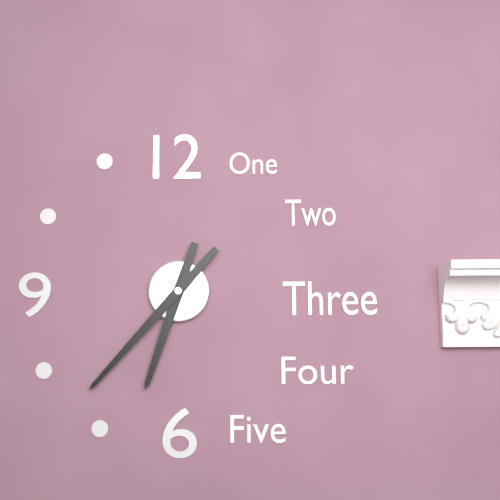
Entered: {"hour": 6, "minute": 37}
